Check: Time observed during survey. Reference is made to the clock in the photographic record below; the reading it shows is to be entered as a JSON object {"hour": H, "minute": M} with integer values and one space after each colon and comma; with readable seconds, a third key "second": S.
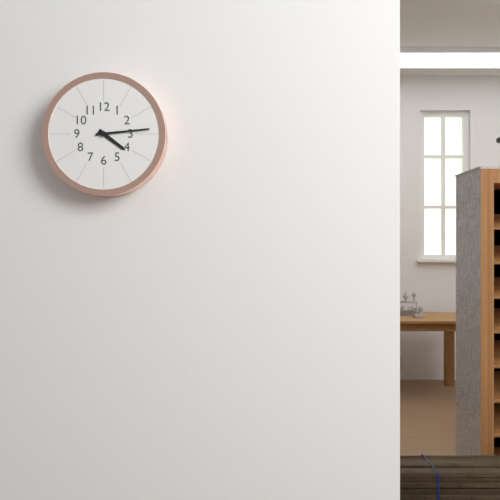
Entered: {"hour": 4, "minute": 14}
